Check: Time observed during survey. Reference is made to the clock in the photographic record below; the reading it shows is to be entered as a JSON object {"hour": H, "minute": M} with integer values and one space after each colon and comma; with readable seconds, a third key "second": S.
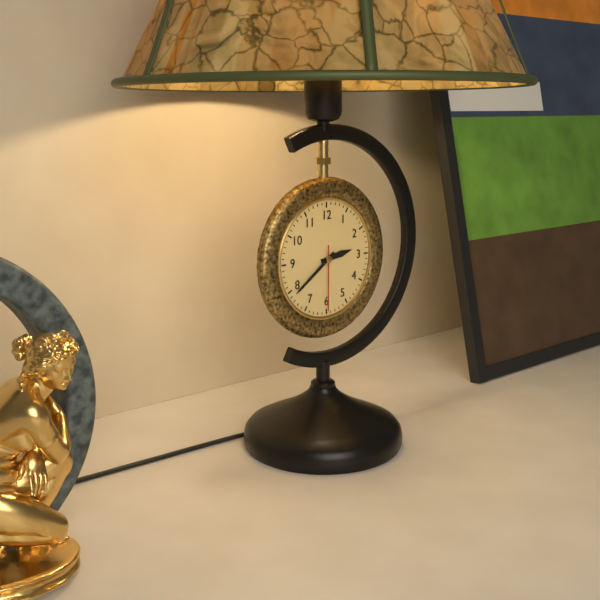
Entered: {"hour": 2, "minute": 39, "second": 30}
